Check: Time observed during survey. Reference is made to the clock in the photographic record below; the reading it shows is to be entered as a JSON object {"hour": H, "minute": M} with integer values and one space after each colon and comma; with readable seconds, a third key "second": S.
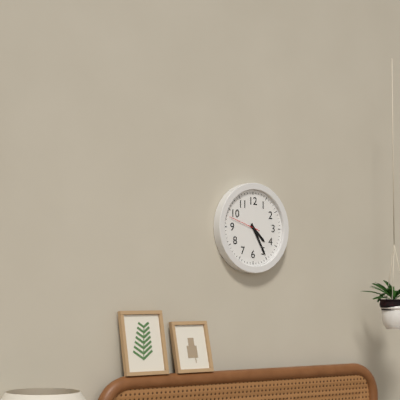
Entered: {"hour": 4, "minute": 25}
